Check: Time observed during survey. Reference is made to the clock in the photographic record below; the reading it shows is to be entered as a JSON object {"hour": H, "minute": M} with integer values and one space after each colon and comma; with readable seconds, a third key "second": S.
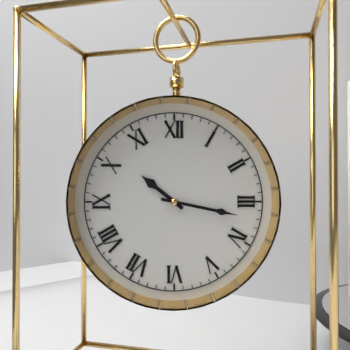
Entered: {"hour": 10, "minute": 17}
